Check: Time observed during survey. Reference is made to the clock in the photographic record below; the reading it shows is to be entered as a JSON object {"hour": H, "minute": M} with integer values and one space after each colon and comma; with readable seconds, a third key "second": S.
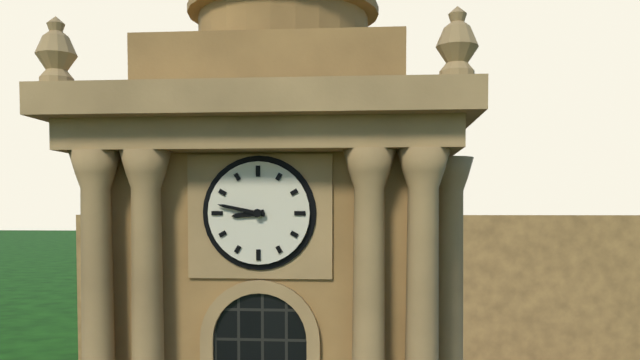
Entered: {"hour": 8, "minute": 47}
